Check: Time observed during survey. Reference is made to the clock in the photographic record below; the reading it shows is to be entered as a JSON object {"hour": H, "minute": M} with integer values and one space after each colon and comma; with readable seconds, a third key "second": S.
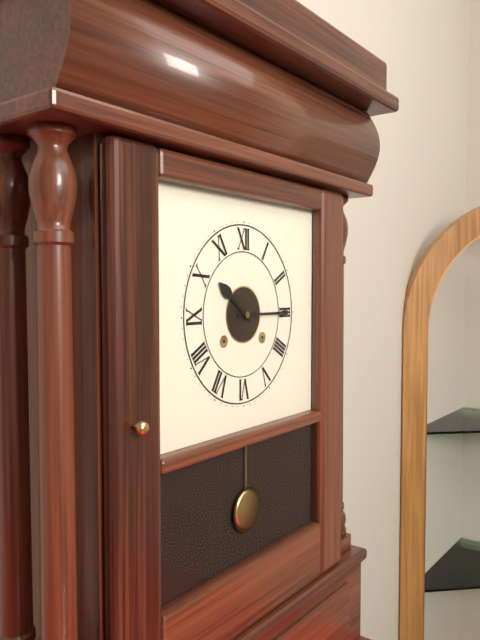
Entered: {"hour": 10, "minute": 15}
